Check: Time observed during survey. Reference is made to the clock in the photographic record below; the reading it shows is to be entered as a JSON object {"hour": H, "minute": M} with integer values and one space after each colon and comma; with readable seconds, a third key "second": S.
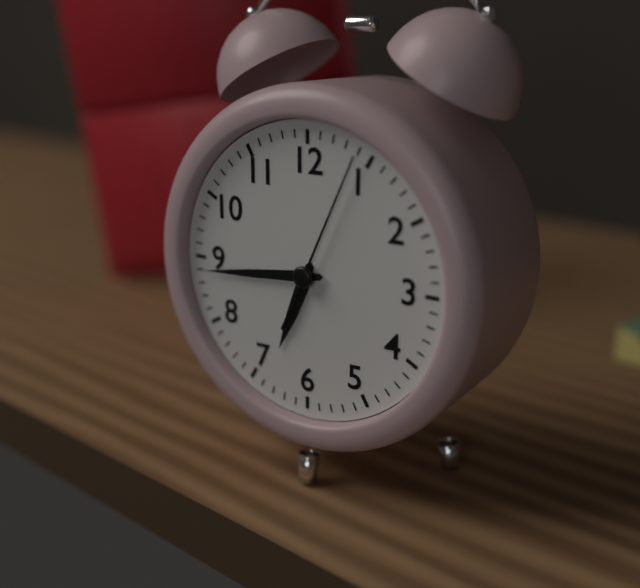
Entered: {"hour": 6, "minute": 44, "second": 4}
